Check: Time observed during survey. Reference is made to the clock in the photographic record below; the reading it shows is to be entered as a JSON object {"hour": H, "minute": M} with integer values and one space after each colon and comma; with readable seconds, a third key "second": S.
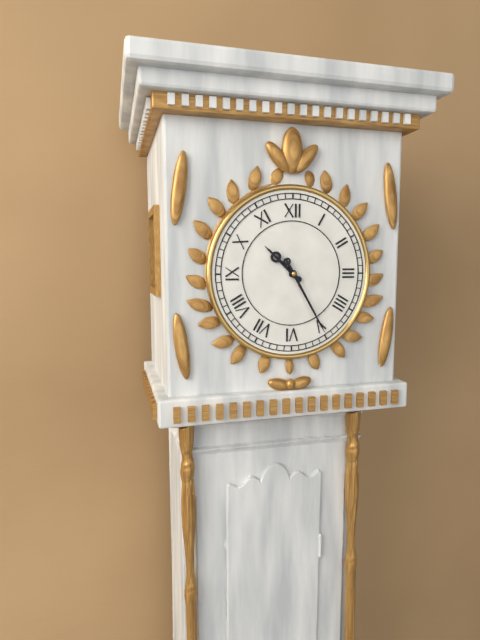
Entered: {"hour": 10, "minute": 25}
